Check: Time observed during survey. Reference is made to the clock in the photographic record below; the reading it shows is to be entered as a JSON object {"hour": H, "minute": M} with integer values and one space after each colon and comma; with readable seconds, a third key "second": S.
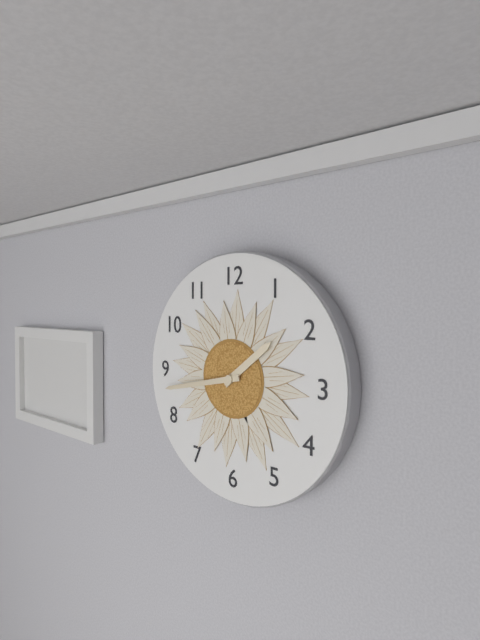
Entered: {"hour": 1, "minute": 43}
